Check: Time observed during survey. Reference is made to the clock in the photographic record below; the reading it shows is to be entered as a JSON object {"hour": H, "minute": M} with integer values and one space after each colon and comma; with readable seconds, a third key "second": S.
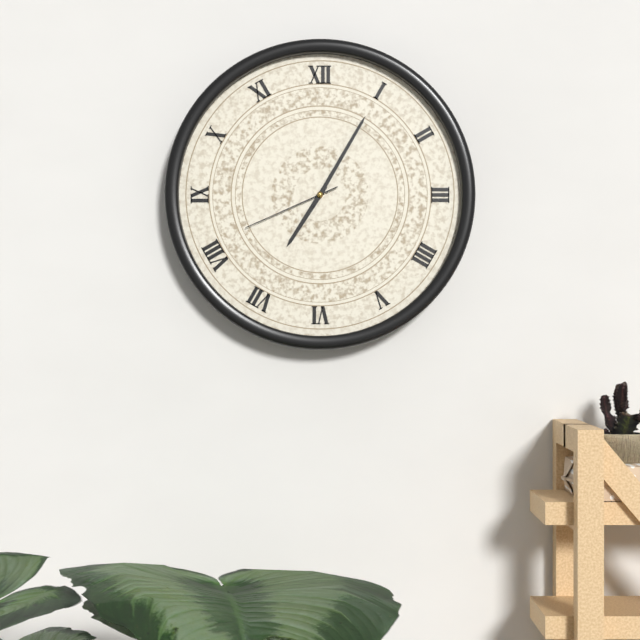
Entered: {"hour": 7, "minute": 5, "second": 41}
